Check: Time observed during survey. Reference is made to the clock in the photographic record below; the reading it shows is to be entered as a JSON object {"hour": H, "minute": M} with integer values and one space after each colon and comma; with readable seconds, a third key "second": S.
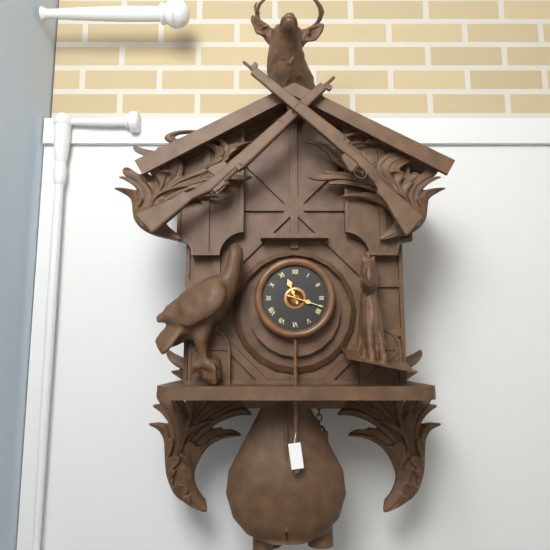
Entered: {"hour": 11, "minute": 18}
